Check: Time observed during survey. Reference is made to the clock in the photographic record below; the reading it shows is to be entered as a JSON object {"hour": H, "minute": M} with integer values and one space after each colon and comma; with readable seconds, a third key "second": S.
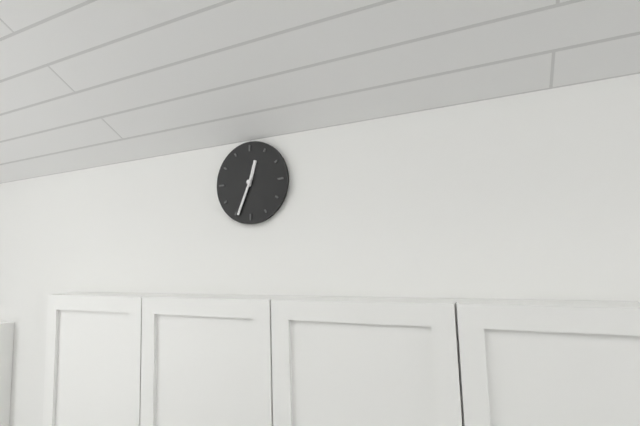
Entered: {"hour": 12, "minute": 34}
